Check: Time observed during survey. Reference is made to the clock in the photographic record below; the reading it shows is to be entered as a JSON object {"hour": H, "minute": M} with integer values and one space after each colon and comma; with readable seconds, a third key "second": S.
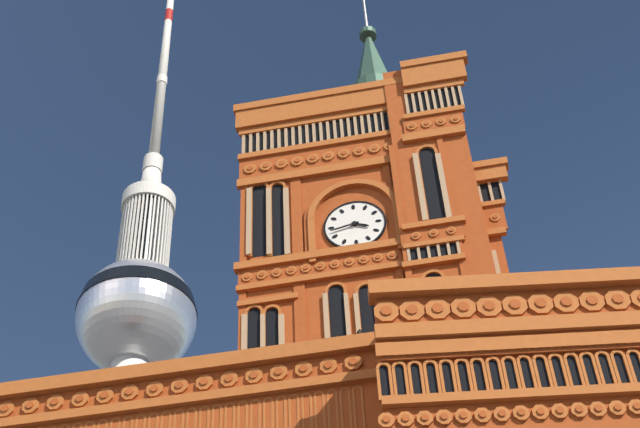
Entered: {"hour": 3, "minute": 43}
